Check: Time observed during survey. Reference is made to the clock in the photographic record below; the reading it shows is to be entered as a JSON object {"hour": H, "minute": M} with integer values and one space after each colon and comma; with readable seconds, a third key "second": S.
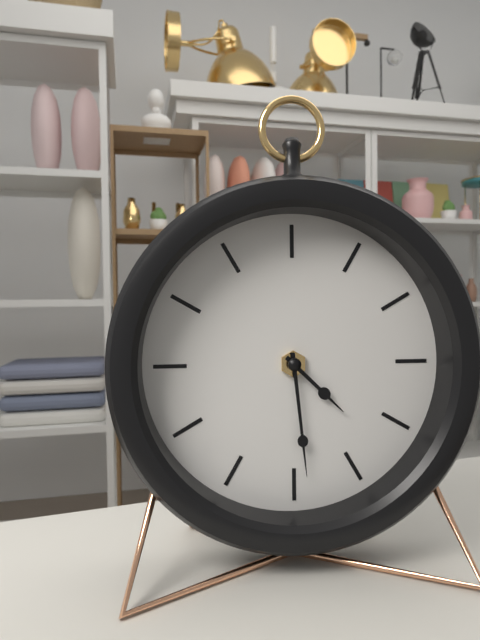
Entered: {"hour": 4, "minute": 29}
